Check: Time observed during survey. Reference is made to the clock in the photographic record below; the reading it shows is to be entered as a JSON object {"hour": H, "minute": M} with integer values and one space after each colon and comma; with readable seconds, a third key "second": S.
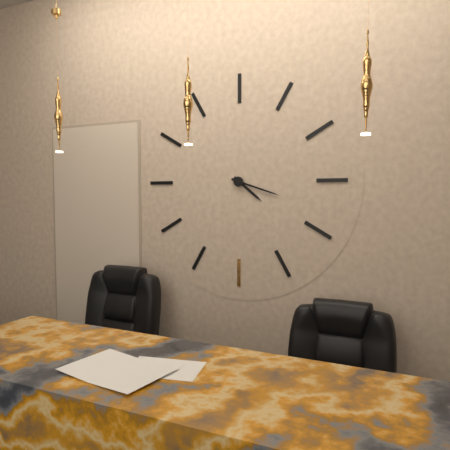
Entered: {"hour": 4, "minute": 18}
